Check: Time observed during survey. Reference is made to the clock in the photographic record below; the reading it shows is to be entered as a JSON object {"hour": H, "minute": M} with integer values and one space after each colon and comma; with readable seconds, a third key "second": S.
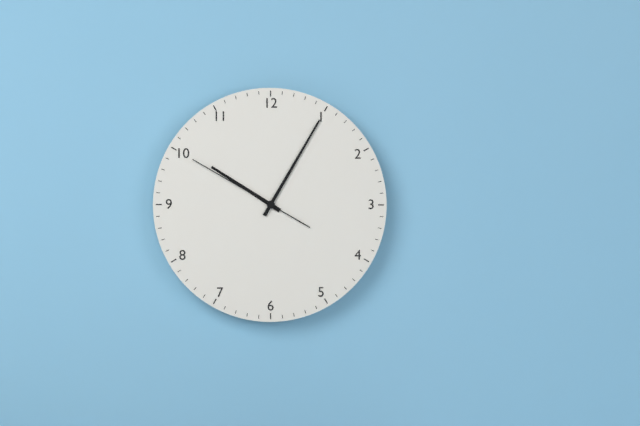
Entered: {"hour": 10, "minute": 5, "second": 50}
